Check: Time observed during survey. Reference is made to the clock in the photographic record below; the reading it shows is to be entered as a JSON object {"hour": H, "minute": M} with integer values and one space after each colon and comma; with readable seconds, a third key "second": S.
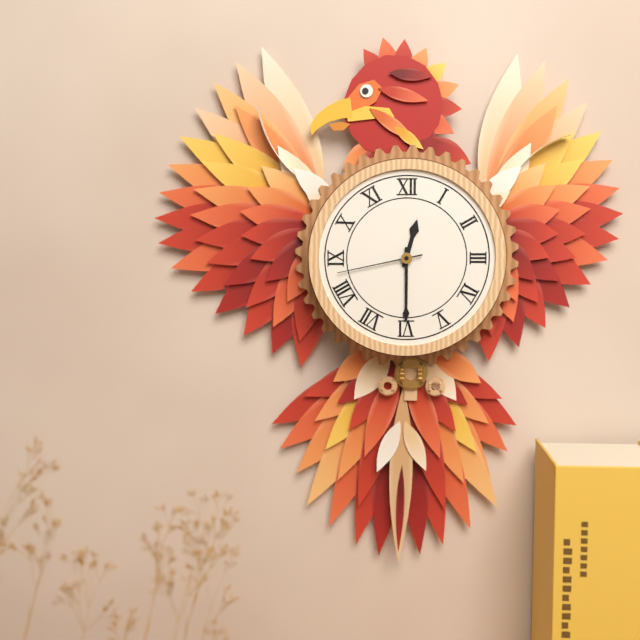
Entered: {"hour": 12, "minute": 30, "second": 43}
